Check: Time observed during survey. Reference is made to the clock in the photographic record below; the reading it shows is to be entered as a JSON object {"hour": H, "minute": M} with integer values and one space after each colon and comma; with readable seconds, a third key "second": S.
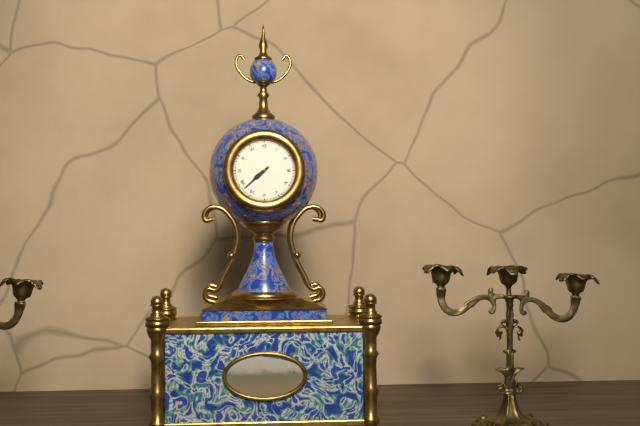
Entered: {"hour": 7, "minute": 38}
